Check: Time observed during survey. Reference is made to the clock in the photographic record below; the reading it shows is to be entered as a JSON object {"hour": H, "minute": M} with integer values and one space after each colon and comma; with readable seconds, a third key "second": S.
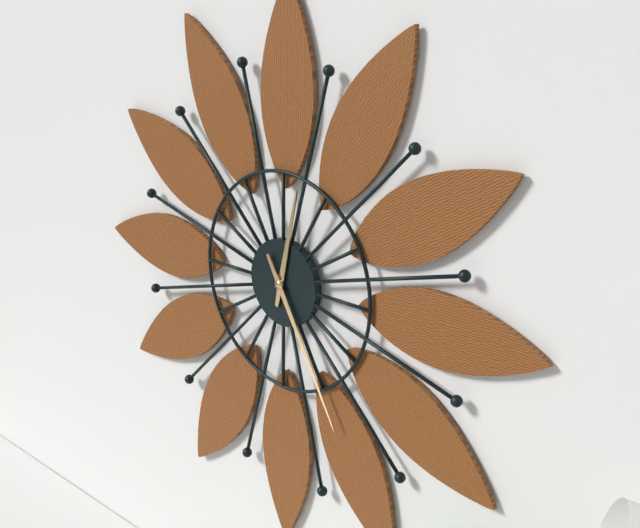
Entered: {"hour": 12, "minute": 25}
